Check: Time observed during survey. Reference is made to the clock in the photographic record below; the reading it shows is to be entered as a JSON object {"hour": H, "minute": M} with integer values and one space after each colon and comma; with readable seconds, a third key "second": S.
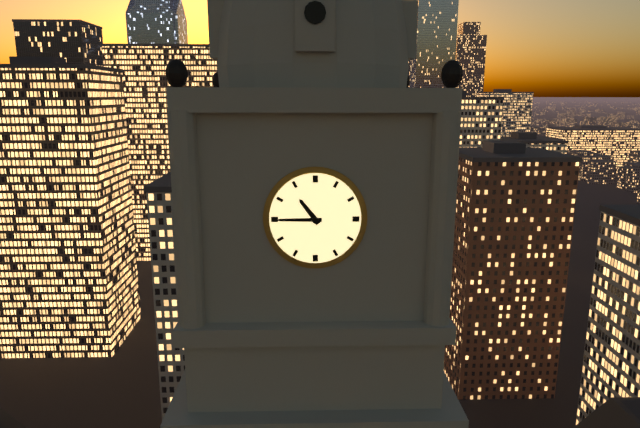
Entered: {"hour": 10, "minute": 45}
